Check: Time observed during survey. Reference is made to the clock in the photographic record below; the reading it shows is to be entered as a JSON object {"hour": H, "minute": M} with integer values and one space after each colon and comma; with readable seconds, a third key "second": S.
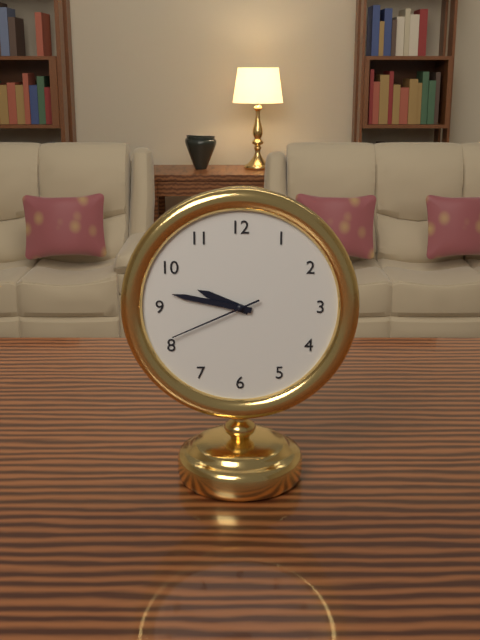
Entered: {"hour": 9, "minute": 47, "second": 41}
